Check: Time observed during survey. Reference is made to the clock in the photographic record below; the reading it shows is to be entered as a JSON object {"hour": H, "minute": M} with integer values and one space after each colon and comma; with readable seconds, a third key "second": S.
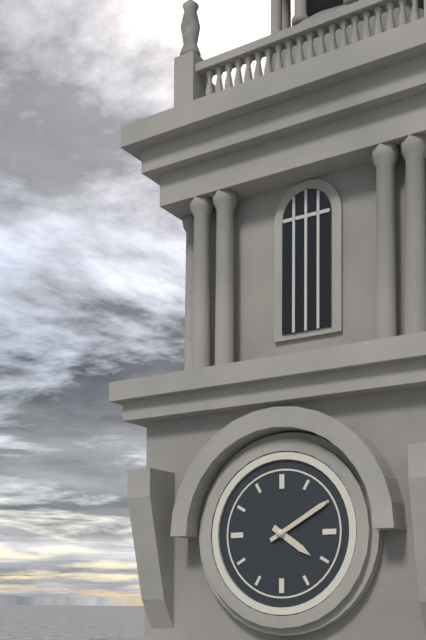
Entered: {"hour": 4, "minute": 10}
